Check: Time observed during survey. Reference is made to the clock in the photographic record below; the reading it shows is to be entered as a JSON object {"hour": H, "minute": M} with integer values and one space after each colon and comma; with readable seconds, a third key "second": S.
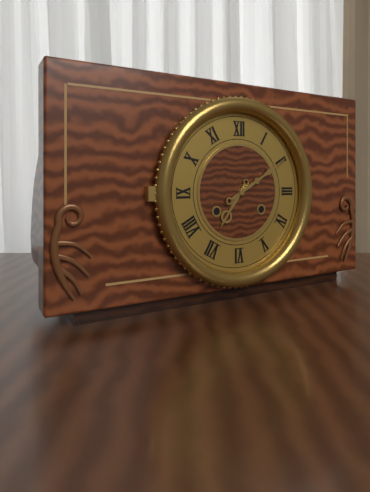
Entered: {"hour": 7, "minute": 10}
